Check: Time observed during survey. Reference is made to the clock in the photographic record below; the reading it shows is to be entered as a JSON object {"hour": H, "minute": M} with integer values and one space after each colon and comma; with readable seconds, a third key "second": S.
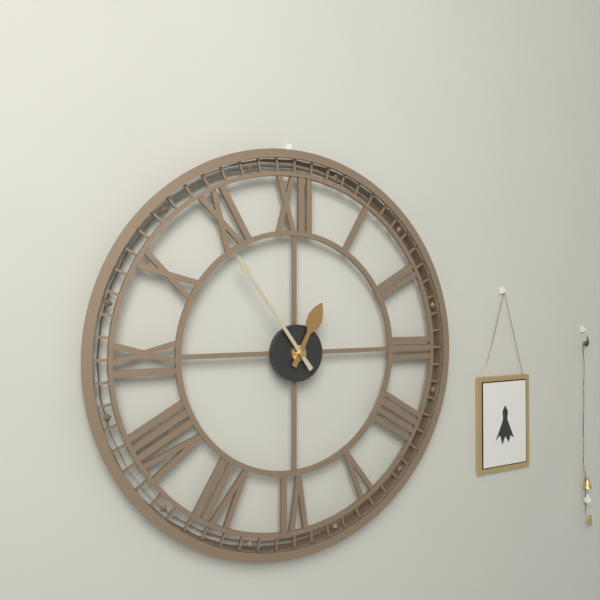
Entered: {"hour": 12, "minute": 54}
